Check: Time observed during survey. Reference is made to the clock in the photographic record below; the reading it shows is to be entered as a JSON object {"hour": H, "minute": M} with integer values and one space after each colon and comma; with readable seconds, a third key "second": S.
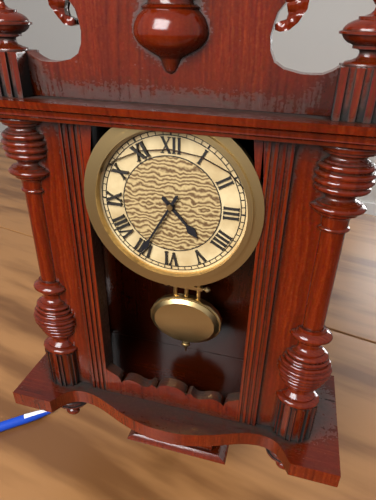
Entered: {"hour": 4, "minute": 35}
